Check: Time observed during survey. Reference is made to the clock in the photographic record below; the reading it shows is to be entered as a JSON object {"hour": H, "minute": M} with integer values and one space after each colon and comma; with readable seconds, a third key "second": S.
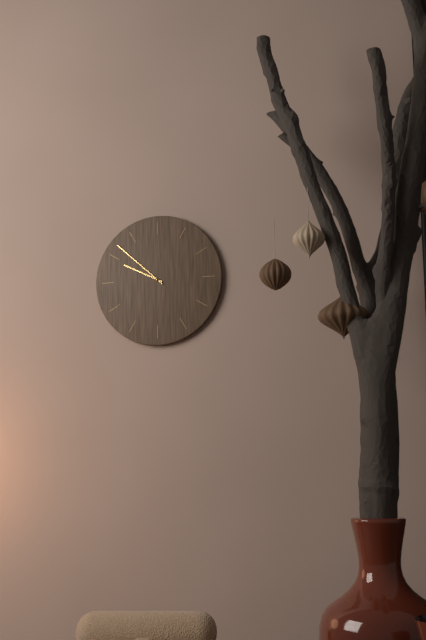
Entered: {"hour": 9, "minute": 52}
